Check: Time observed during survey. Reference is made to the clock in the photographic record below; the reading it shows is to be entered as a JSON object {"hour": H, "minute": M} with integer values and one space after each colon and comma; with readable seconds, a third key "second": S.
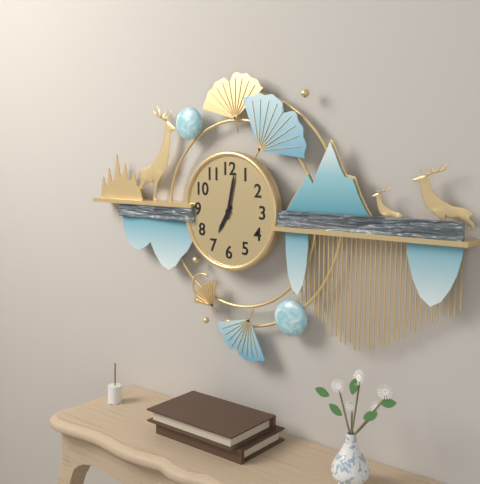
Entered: {"hour": 7, "minute": 2}
